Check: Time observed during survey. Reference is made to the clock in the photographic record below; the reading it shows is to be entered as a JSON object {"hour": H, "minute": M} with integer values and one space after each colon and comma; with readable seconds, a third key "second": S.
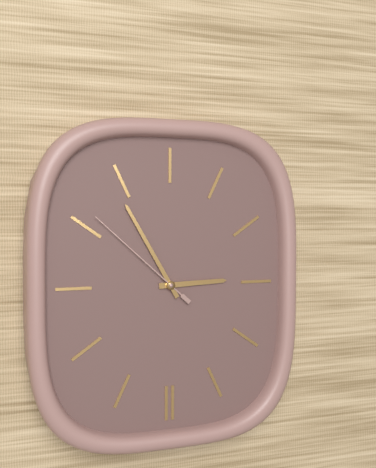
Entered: {"hour": 2, "minute": 55, "second": 52}
